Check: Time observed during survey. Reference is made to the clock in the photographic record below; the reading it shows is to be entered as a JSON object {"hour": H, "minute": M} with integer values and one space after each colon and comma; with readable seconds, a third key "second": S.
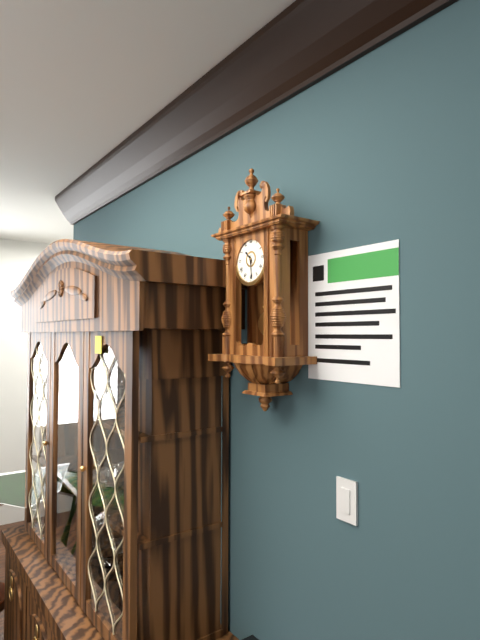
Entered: {"hour": 10, "minute": 29}
